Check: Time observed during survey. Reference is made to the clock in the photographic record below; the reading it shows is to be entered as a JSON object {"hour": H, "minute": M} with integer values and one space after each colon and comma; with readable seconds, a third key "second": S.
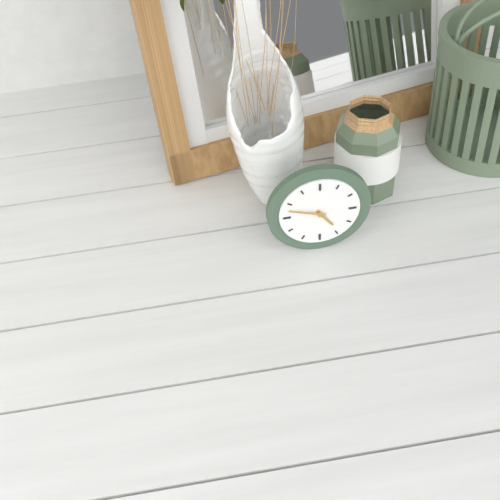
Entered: {"hour": 4, "minute": 48}
